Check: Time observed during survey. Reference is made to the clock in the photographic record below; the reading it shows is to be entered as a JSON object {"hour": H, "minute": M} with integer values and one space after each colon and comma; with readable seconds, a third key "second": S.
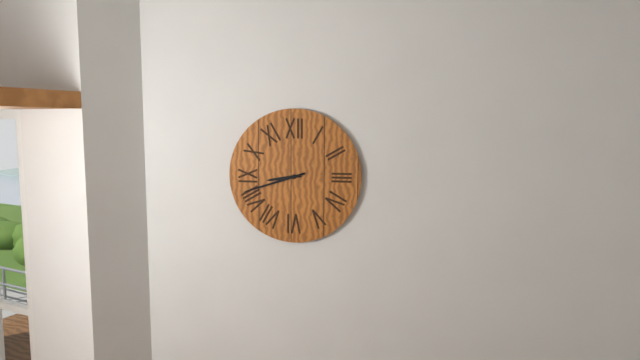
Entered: {"hour": 8, "minute": 42}
